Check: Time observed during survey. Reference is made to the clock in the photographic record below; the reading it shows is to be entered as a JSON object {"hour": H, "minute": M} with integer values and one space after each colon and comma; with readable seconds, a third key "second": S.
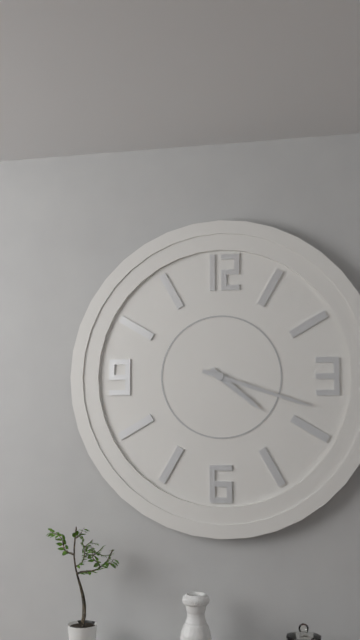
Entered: {"hour": 4, "minute": 18}
